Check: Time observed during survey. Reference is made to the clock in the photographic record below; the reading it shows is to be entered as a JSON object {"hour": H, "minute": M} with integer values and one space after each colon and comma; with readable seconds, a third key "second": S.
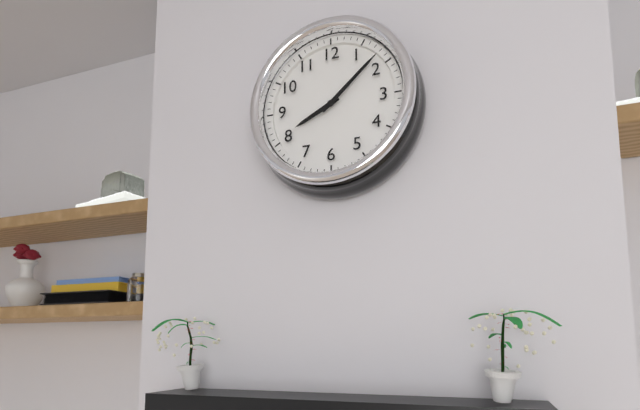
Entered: {"hour": 8, "minute": 8}
